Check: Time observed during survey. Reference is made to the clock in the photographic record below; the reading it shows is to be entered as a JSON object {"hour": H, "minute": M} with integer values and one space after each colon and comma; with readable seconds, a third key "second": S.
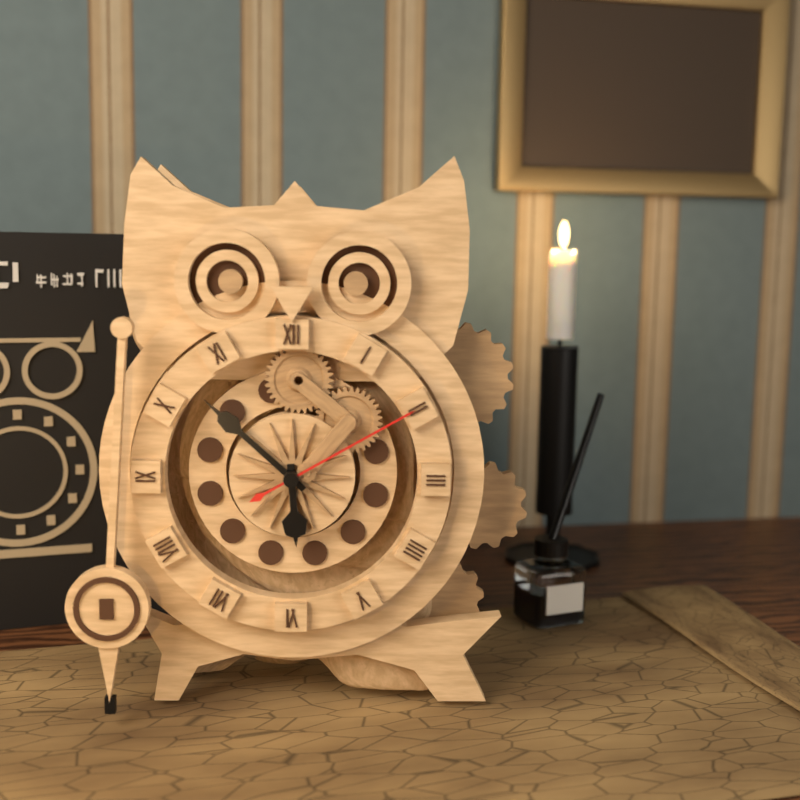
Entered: {"hour": 5, "minute": 52, "second": 10}
